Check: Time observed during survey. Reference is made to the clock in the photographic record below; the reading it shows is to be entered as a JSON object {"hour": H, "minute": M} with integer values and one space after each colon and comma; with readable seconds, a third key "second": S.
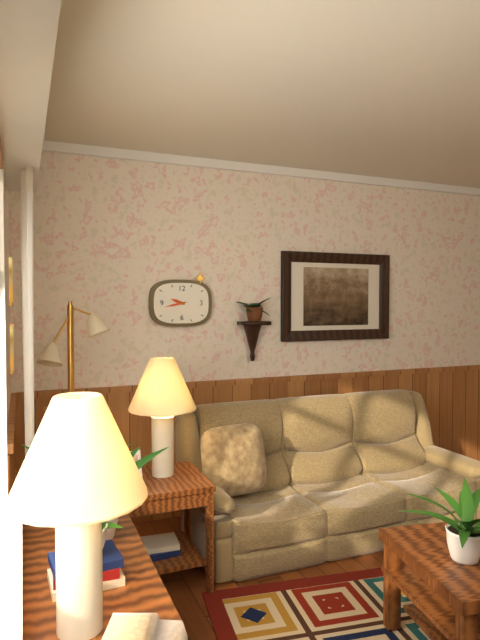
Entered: {"hour": 9, "minute": 43}
